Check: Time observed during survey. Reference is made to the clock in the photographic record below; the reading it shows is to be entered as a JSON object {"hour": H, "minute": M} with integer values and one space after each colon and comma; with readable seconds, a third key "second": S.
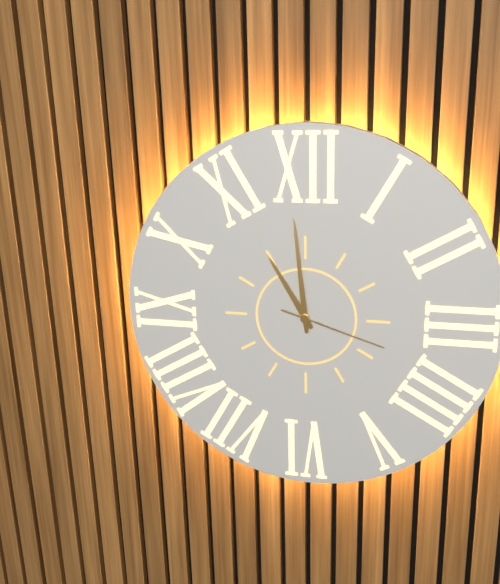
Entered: {"hour": 10, "minute": 59, "second": 18}
